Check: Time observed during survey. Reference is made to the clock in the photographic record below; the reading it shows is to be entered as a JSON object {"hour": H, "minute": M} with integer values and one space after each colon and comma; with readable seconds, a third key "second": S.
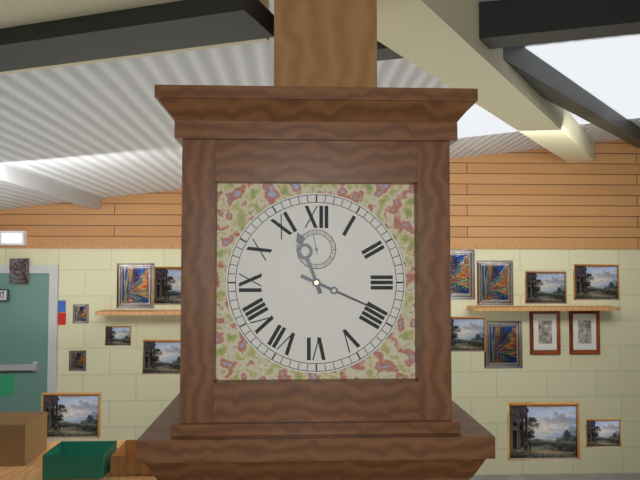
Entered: {"hour": 11, "minute": 19}
